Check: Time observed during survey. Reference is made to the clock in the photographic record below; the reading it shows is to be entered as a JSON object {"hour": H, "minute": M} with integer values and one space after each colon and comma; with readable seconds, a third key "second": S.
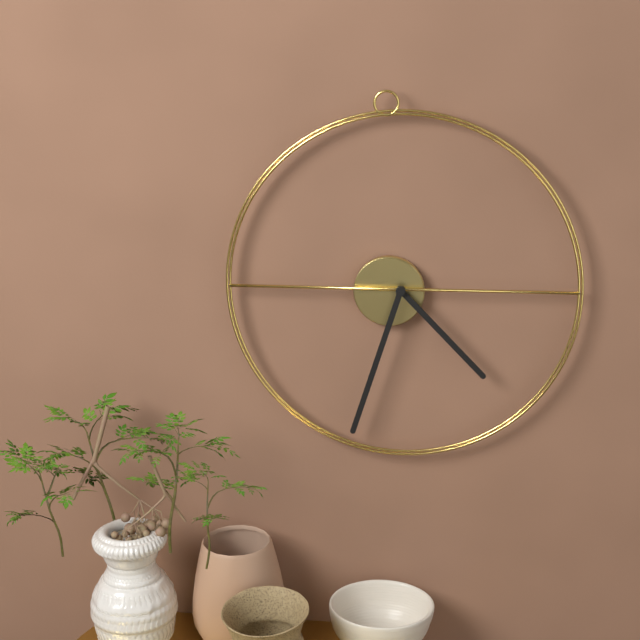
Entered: {"hour": 4, "minute": 33}
